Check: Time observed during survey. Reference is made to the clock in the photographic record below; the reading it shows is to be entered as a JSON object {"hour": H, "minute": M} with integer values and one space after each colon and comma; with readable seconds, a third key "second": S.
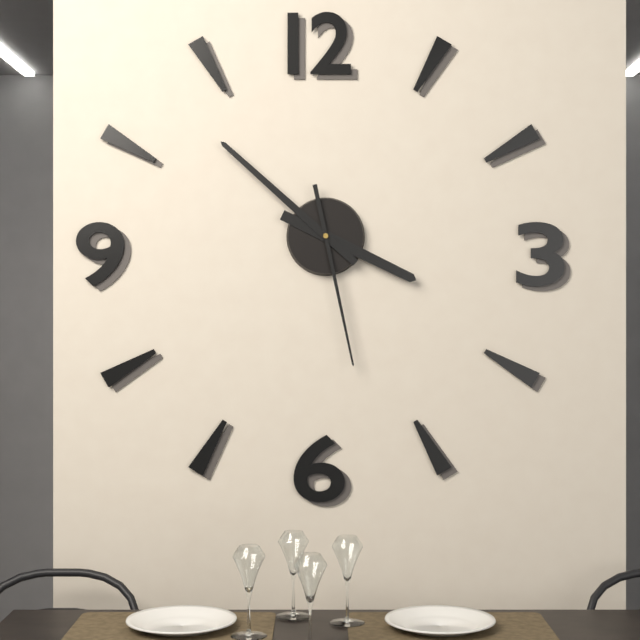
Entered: {"hour": 3, "minute": 52, "second": 28}
